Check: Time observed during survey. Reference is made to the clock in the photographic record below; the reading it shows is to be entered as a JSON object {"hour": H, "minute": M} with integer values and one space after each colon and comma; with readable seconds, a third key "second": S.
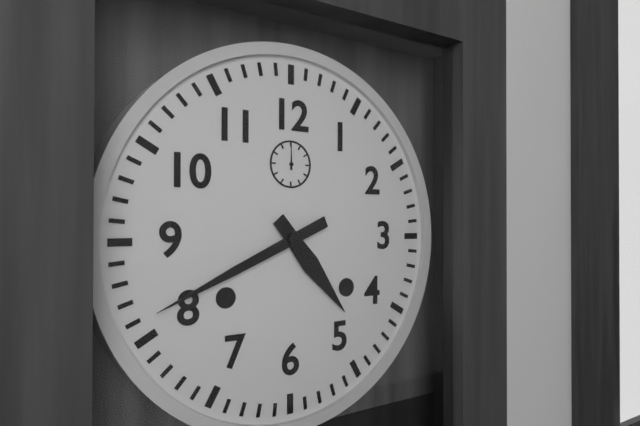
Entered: {"hour": 4, "minute": 41}
